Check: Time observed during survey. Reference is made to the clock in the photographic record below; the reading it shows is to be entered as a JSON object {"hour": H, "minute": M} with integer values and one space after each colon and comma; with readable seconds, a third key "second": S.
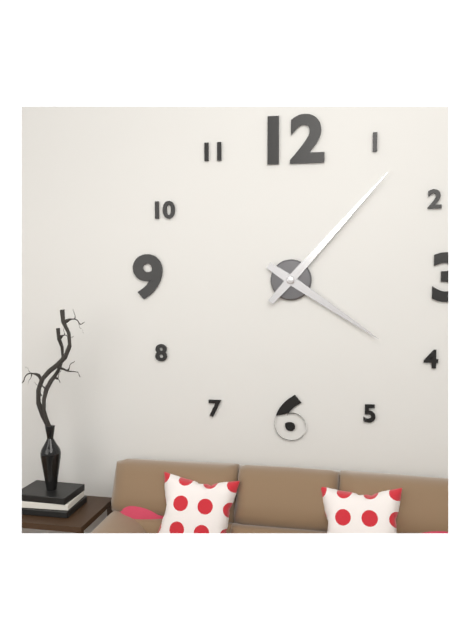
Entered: {"hour": 4, "minute": 7}
